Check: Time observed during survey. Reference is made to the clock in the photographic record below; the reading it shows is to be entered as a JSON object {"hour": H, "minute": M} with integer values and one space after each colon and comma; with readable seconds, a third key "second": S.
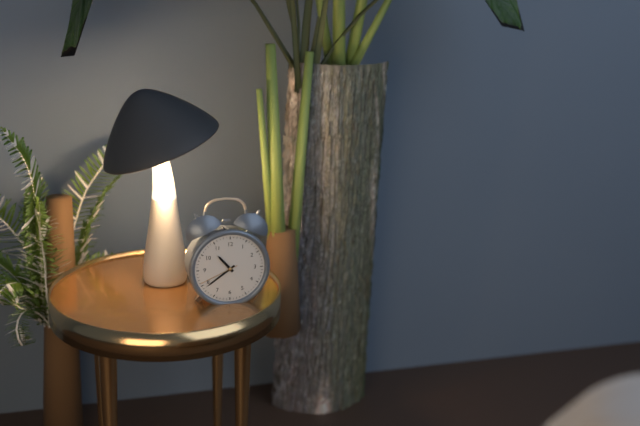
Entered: {"hour": 10, "minute": 39}
